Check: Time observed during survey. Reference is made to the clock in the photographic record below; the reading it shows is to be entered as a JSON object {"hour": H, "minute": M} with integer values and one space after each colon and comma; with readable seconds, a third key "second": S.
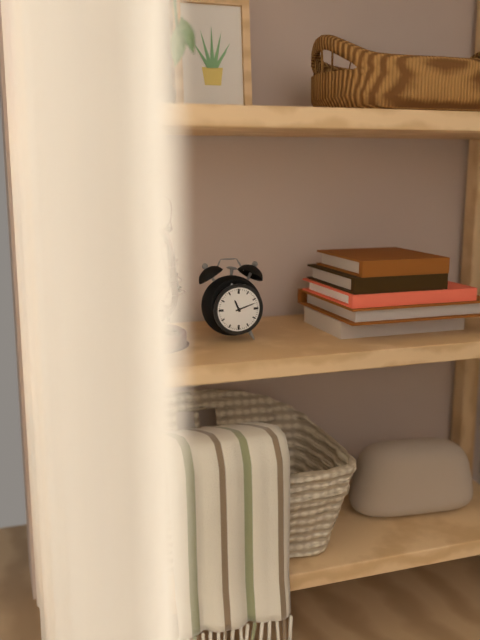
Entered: {"hour": 11, "minute": 12}
